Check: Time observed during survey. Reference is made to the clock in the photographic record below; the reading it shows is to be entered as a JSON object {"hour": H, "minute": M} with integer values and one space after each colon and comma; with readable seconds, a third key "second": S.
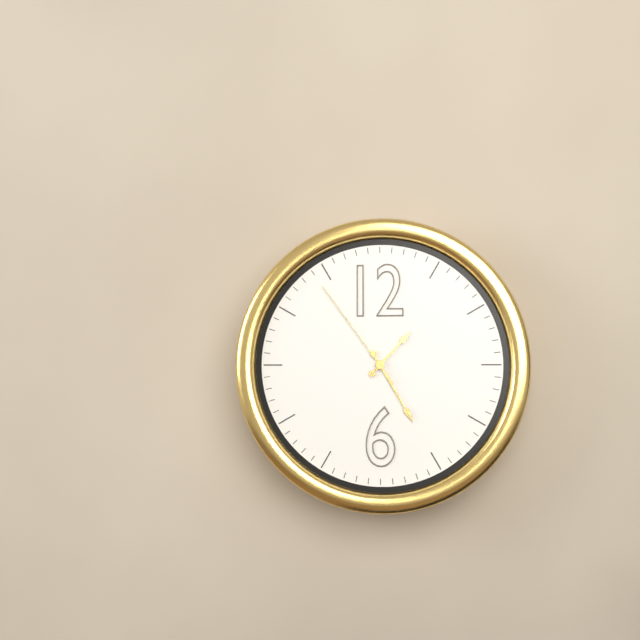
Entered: {"hour": 1, "minute": 25, "second": 54}
